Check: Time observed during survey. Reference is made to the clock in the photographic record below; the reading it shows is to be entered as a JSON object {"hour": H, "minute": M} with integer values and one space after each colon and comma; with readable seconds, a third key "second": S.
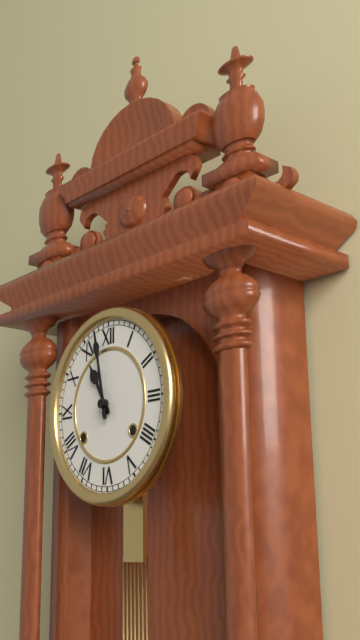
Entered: {"hour": 10, "minute": 58}
